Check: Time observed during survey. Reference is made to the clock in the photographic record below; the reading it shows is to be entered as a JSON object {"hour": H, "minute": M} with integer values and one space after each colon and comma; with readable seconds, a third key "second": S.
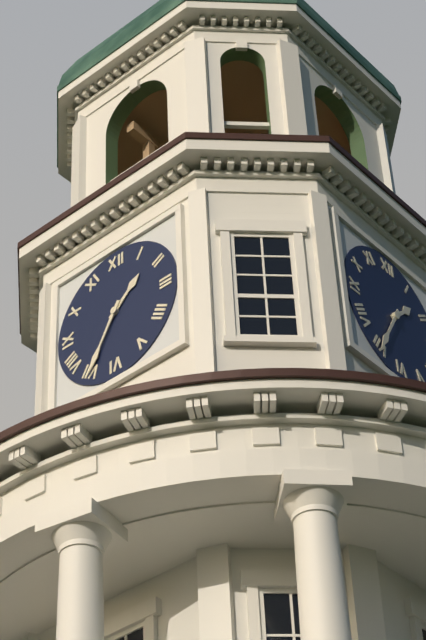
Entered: {"hour": 1, "minute": 35}
